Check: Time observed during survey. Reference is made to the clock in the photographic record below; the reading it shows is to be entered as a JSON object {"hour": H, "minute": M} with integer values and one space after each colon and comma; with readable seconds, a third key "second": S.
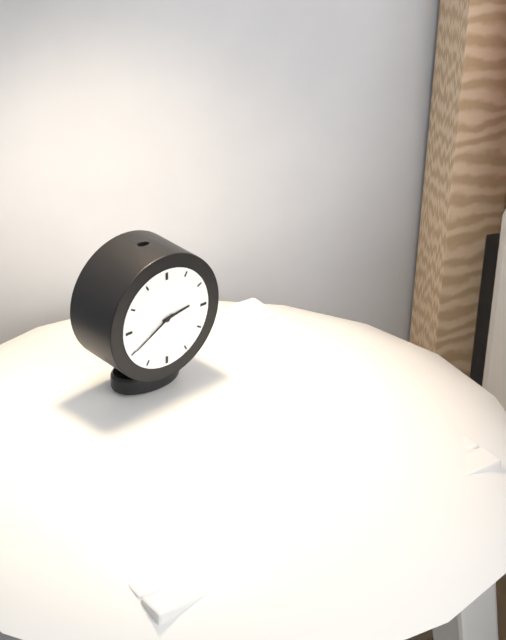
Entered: {"hour": 2, "minute": 40}
